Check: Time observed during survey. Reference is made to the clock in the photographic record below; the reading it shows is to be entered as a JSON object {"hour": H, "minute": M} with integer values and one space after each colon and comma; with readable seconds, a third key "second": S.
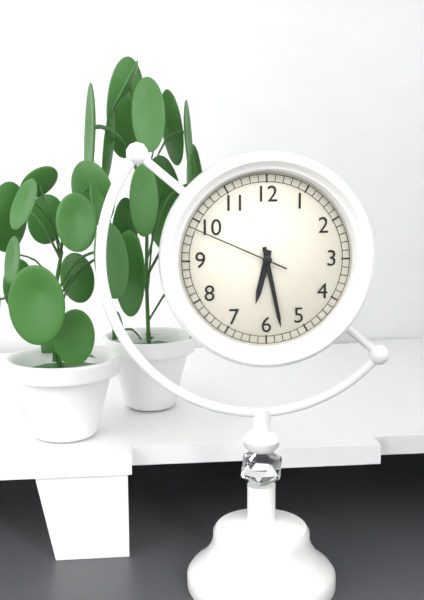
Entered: {"hour": 6, "minute": 28, "second": 49}
